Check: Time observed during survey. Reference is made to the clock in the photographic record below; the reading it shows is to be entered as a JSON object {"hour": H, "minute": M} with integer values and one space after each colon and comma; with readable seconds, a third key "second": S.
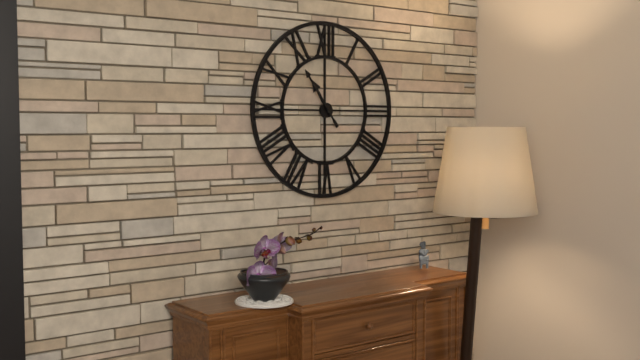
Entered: {"hour": 10, "minute": 54}
